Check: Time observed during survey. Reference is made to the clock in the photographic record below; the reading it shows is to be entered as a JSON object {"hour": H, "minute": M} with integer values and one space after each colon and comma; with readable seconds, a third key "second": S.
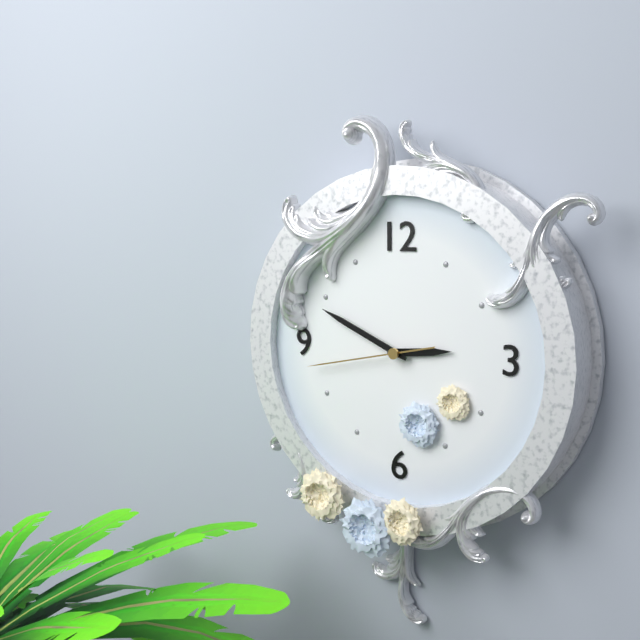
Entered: {"hour": 2, "minute": 49, "second": 43}
